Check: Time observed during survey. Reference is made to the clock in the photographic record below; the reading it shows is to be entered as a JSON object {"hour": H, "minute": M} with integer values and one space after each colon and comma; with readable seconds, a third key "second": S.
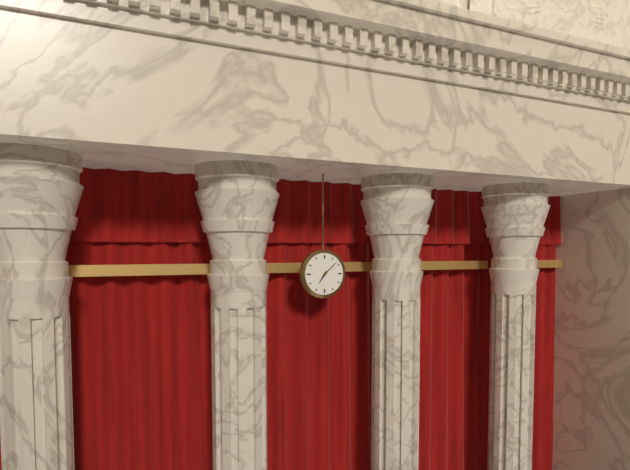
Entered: {"hour": 7, "minute": 8}
